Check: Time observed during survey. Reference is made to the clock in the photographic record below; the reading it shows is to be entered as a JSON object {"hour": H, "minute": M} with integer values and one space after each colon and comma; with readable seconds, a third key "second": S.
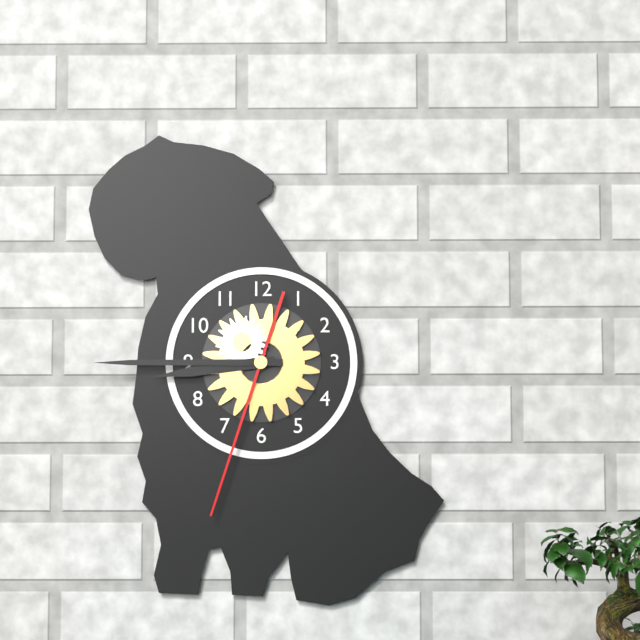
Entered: {"hour": 8, "minute": 45, "second": 33}
